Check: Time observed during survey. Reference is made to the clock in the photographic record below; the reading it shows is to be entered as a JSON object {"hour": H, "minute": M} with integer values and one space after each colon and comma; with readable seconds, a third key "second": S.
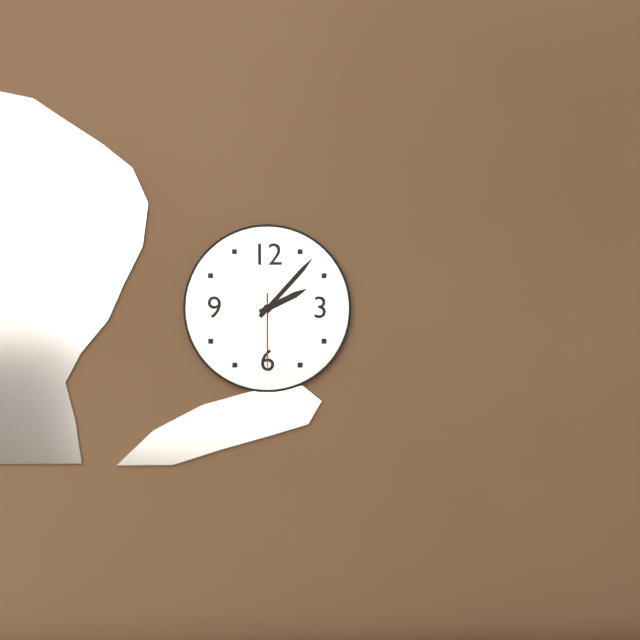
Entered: {"hour": 2, "minute": 7, "second": 30}
